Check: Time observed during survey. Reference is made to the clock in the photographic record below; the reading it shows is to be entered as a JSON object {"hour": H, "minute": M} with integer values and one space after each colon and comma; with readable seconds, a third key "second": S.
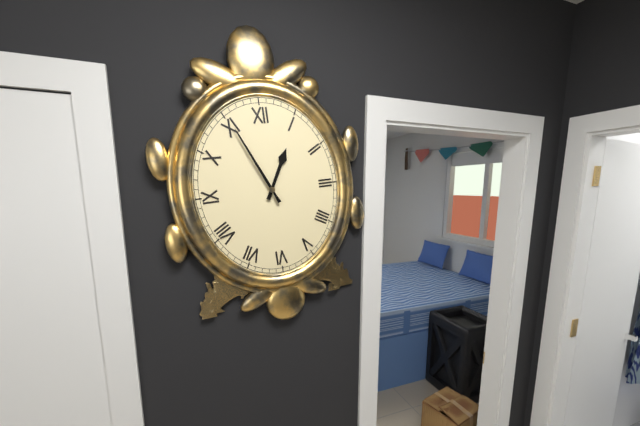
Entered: {"hour": 12, "minute": 56}
